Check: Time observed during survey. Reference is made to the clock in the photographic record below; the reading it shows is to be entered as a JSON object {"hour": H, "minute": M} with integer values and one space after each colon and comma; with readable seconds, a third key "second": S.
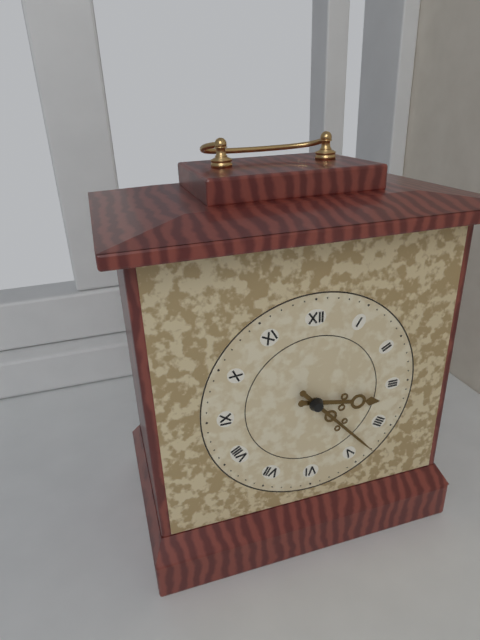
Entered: {"hour": 3, "minute": 23}
